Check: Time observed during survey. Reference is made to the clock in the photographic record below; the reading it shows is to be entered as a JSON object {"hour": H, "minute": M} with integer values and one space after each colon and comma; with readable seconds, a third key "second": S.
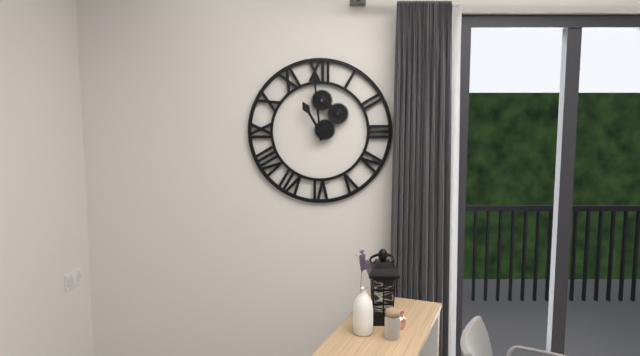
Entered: {"hour": 10, "minute": 59}
